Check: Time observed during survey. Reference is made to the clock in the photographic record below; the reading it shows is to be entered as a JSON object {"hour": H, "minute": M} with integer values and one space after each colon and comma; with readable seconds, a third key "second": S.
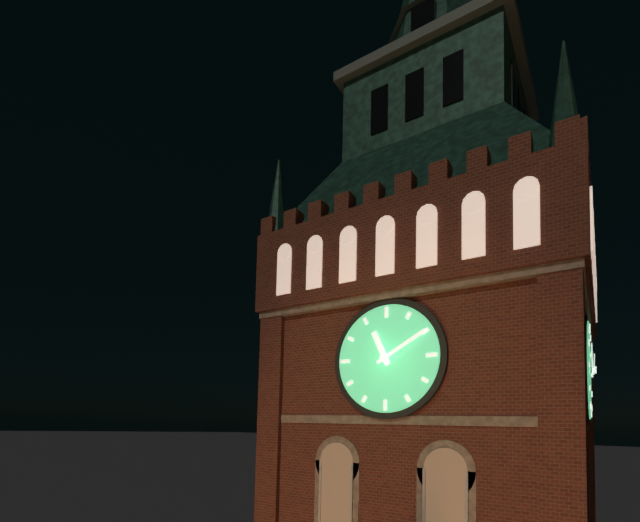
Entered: {"hour": 11, "minute": 10}
